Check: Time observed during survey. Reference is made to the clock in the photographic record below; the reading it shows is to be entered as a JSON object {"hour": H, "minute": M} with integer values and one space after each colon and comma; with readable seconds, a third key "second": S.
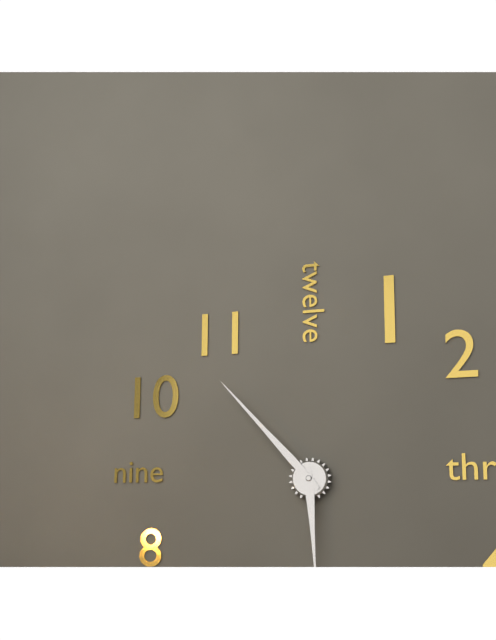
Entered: {"hour": 5, "minute": 53}
